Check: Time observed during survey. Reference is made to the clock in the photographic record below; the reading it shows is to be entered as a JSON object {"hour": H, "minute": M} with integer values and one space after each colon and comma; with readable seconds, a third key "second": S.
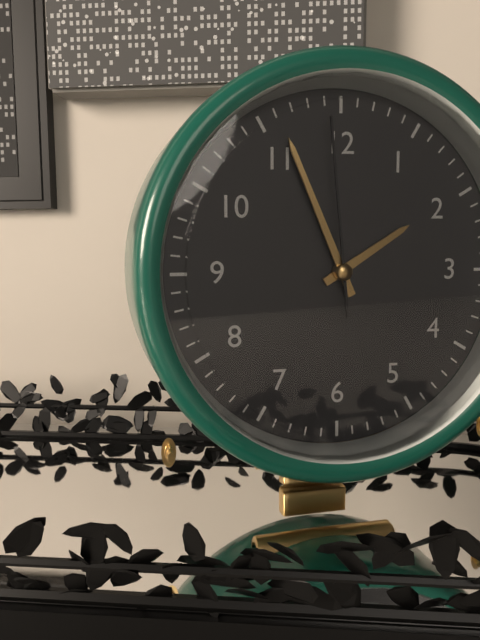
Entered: {"hour": 1, "minute": 56, "second": 59}
